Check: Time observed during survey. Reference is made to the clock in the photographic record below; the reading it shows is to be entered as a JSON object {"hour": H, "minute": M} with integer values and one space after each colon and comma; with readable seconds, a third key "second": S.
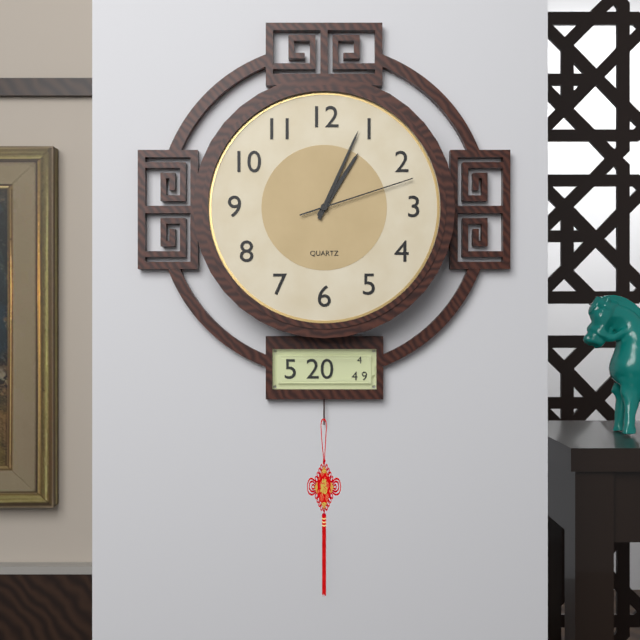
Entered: {"hour": 1, "minute": 4, "second": 12}
